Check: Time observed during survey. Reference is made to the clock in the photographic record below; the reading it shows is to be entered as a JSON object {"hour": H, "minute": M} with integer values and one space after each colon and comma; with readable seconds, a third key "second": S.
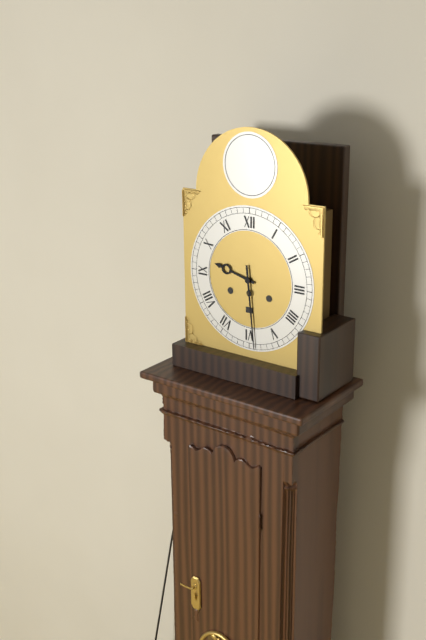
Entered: {"hour": 9, "minute": 29}
